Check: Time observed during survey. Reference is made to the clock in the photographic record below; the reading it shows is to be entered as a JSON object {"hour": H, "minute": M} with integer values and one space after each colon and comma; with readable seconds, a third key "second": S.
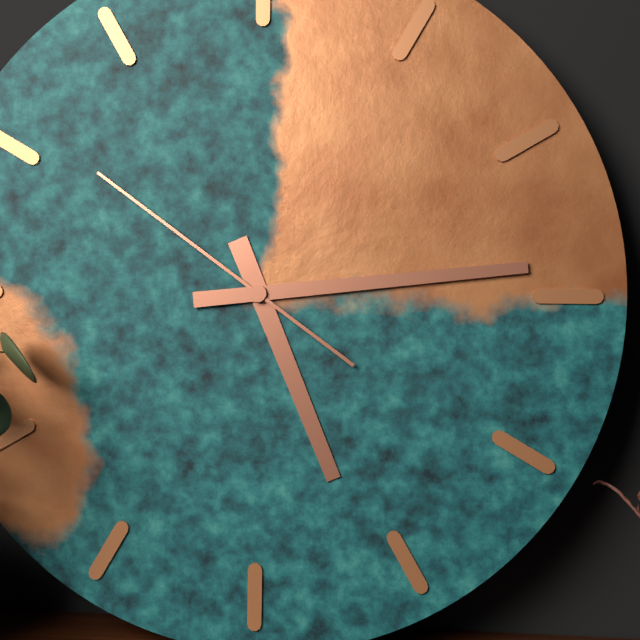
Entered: {"hour": 5, "minute": 14, "second": 51}
